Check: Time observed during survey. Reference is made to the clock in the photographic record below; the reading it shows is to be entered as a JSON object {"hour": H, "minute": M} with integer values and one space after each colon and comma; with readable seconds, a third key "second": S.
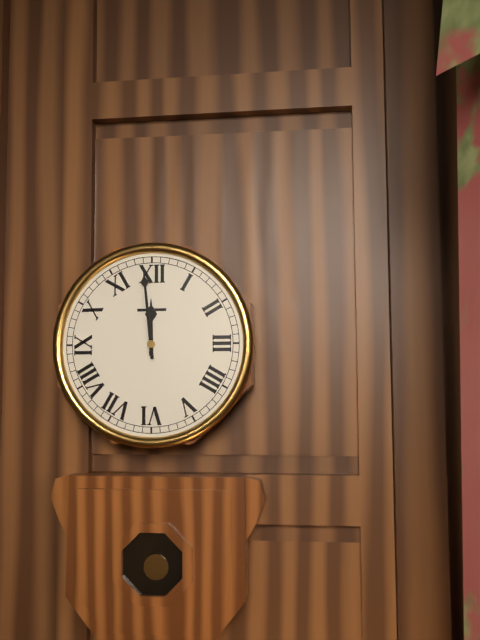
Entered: {"hour": 11, "minute": 59}
